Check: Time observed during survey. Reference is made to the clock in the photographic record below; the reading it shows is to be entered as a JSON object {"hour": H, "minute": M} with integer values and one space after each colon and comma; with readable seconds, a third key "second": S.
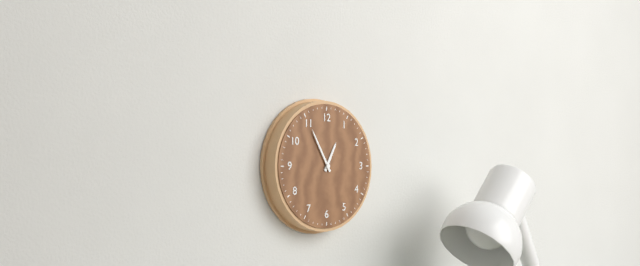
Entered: {"hour": 12, "minute": 55}
